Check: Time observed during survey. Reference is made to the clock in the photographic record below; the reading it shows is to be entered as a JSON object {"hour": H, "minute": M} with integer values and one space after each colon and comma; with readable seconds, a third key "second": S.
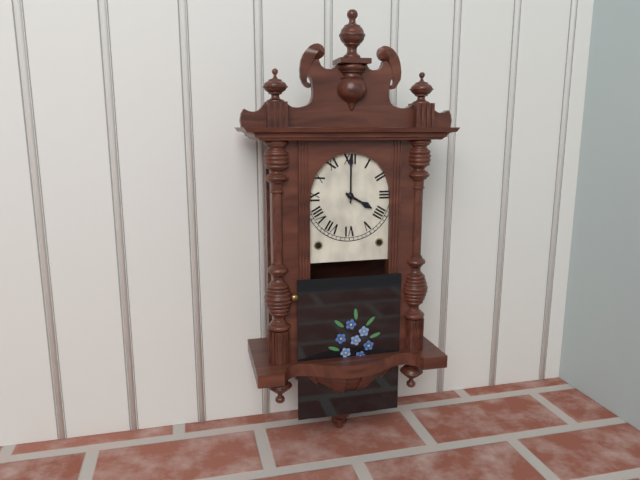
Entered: {"hour": 4, "minute": 0}
